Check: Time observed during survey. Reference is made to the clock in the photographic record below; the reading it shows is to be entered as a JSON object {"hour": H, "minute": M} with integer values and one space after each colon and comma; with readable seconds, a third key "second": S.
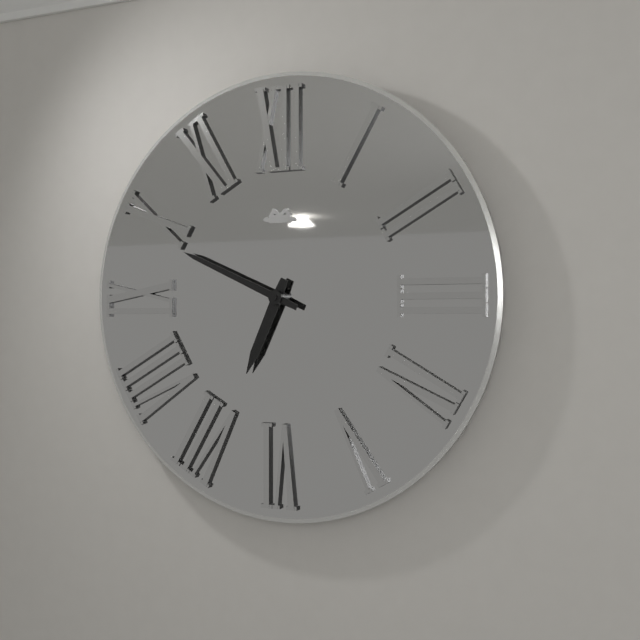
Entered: {"hour": 6, "minute": 49}
